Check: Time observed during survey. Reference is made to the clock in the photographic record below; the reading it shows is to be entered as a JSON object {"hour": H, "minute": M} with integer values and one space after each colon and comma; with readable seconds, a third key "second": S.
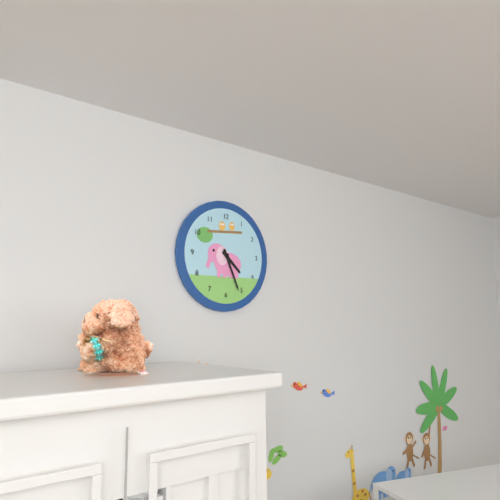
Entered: {"hour": 4, "minute": 26}
